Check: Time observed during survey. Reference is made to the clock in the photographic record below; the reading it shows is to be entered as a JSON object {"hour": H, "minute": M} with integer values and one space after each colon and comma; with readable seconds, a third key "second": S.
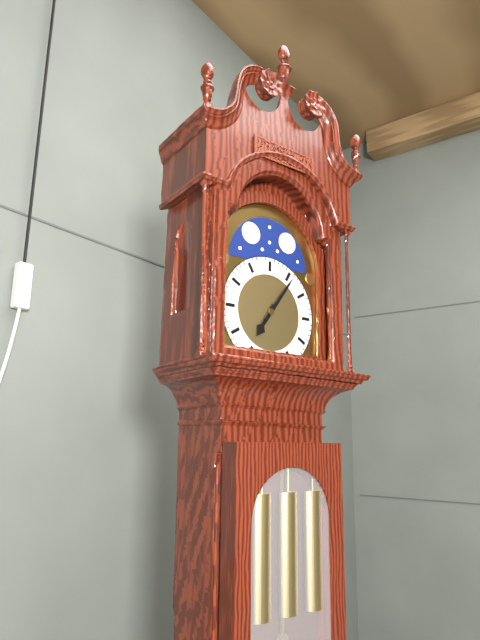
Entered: {"hour": 7, "minute": 6}
